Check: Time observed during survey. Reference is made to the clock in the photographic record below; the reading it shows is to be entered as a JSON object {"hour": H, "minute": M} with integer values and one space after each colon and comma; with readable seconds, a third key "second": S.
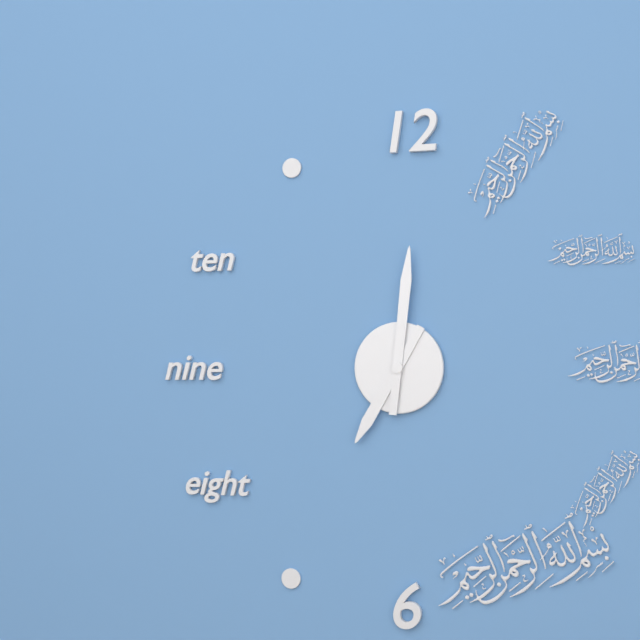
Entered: {"hour": 7, "minute": 1}
